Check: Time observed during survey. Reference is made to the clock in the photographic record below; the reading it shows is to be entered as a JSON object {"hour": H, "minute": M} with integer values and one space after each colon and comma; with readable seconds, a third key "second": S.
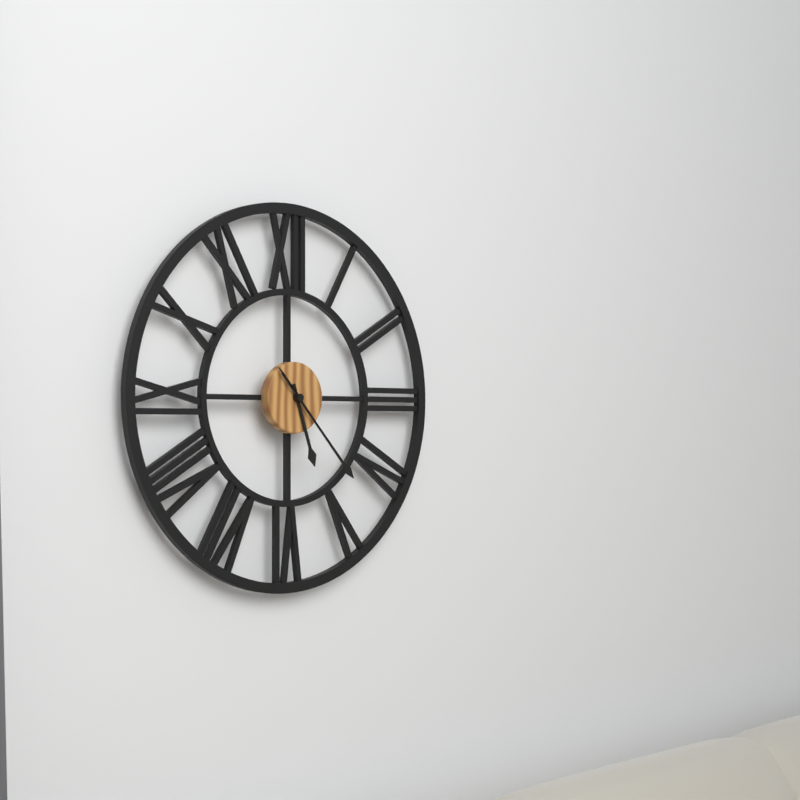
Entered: {"hour": 5, "minute": 23}
